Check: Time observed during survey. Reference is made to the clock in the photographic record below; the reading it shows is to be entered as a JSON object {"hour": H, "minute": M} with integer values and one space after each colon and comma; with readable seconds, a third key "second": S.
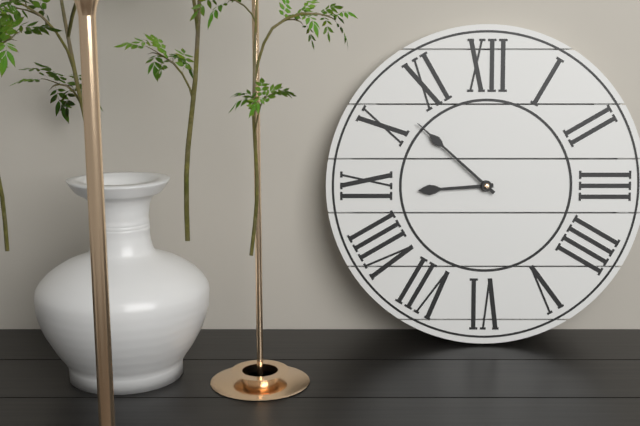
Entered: {"hour": 8, "minute": 52}
